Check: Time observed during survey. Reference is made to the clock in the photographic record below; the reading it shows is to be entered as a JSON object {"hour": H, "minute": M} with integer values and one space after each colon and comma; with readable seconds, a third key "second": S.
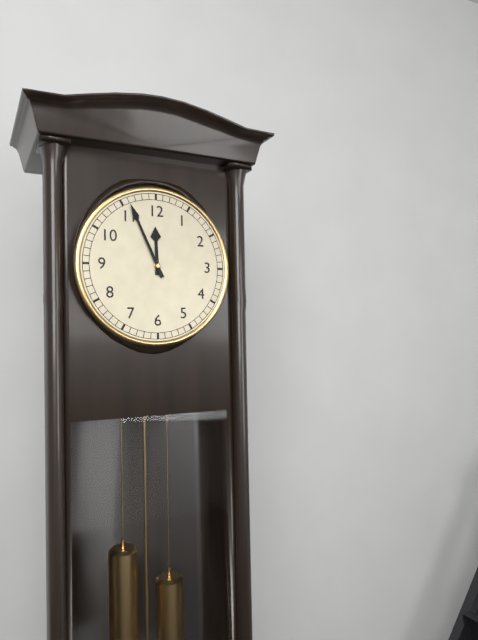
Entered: {"hour": 11, "minute": 56}
